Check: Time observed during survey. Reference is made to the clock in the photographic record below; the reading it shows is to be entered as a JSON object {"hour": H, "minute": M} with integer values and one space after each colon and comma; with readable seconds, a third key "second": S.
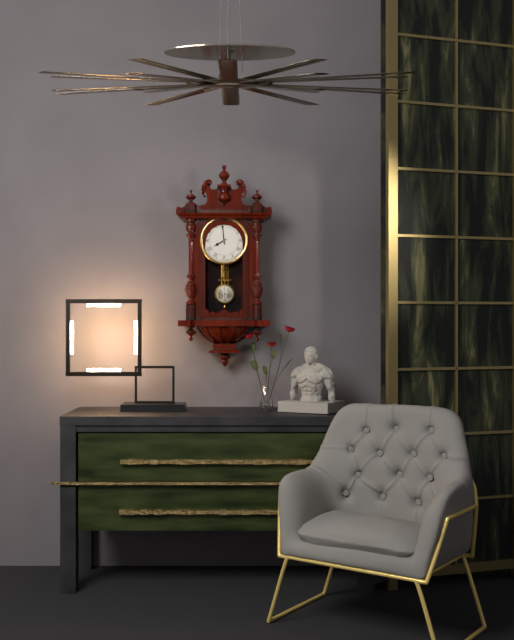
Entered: {"hour": 7, "minute": 59}
